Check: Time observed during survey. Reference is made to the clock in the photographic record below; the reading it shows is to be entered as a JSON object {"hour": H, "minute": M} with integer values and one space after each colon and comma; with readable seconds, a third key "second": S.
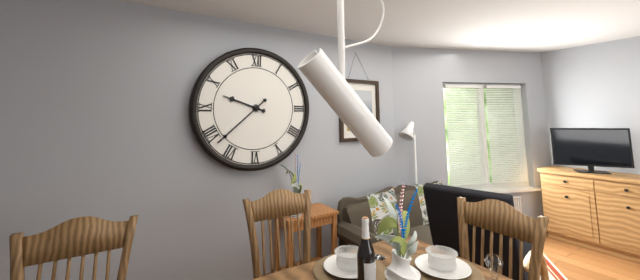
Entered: {"hour": 9, "minute": 38}
